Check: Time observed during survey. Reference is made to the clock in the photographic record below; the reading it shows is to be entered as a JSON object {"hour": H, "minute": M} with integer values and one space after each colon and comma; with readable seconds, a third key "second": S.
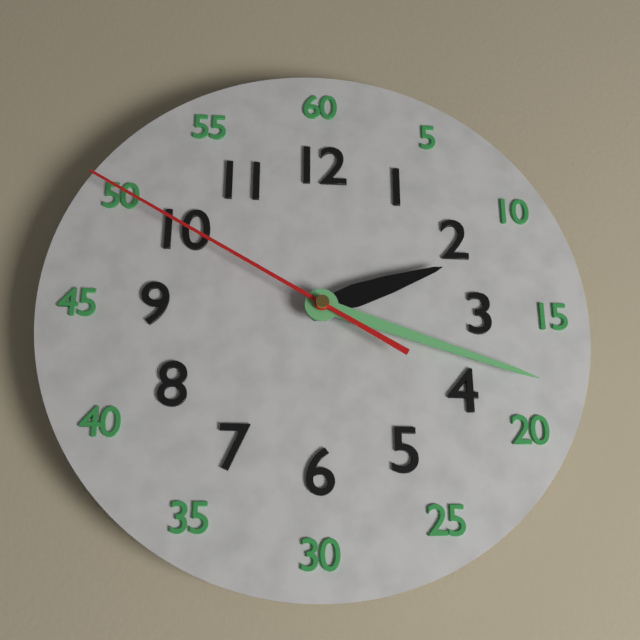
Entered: {"hour": 2, "minute": 18, "second": 50}
